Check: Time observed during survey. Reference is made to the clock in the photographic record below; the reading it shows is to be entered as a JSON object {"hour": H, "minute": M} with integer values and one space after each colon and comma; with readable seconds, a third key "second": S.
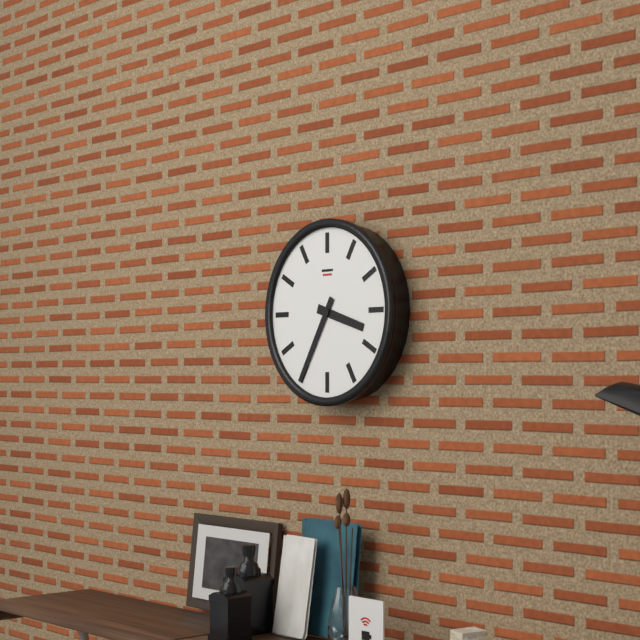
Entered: {"hour": 3, "minute": 35}
